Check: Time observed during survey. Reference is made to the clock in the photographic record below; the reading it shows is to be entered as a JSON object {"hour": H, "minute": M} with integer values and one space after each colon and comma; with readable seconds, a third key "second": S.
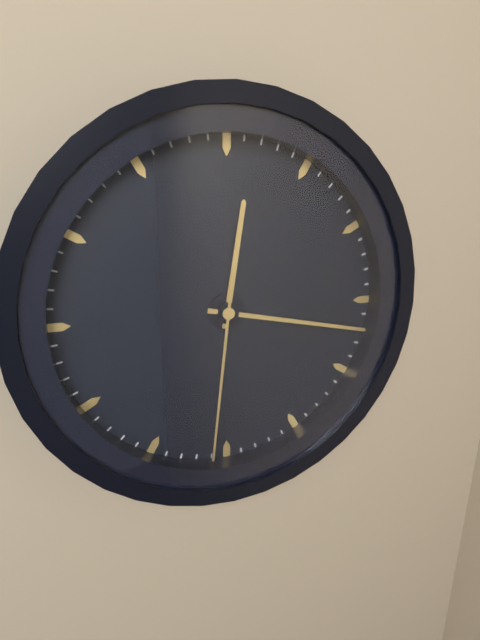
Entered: {"hour": 12, "minute": 17, "second": 31}
